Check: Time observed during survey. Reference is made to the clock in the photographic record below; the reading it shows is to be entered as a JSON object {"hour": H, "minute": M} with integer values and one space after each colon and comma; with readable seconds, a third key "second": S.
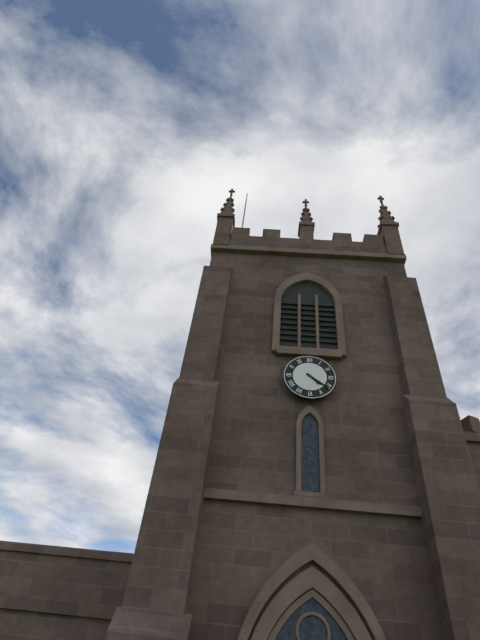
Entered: {"hour": 4, "minute": 21}
